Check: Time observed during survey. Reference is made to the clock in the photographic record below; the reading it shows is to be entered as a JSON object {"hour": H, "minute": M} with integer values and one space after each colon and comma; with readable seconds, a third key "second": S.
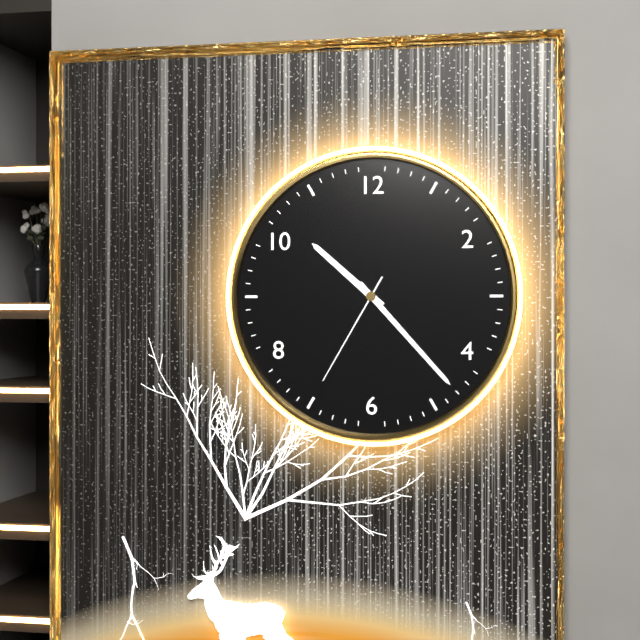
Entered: {"hour": 10, "minute": 23, "second": 35}
